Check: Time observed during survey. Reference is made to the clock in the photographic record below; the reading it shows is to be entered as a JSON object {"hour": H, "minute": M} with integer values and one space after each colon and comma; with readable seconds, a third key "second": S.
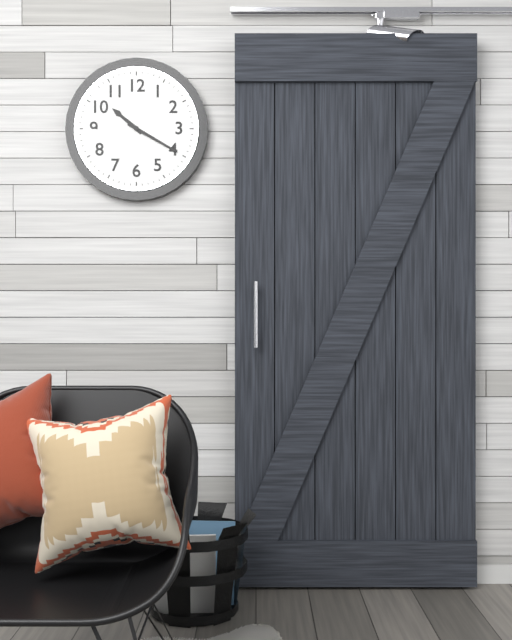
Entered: {"hour": 10, "minute": 20}
